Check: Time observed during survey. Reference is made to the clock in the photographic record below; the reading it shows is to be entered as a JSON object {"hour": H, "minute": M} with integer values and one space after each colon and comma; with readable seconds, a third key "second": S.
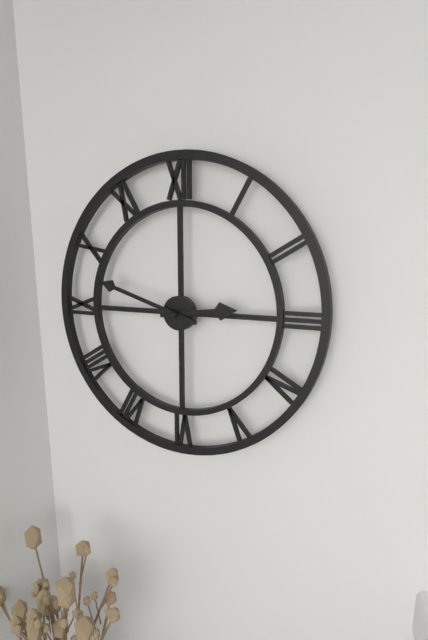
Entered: {"hour": 2, "minute": 48}
